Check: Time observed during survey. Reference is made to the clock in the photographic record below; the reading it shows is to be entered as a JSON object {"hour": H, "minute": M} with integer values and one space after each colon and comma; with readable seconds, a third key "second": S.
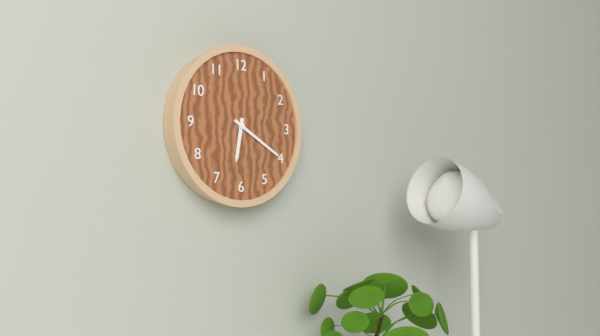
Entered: {"hour": 6, "minute": 20}
